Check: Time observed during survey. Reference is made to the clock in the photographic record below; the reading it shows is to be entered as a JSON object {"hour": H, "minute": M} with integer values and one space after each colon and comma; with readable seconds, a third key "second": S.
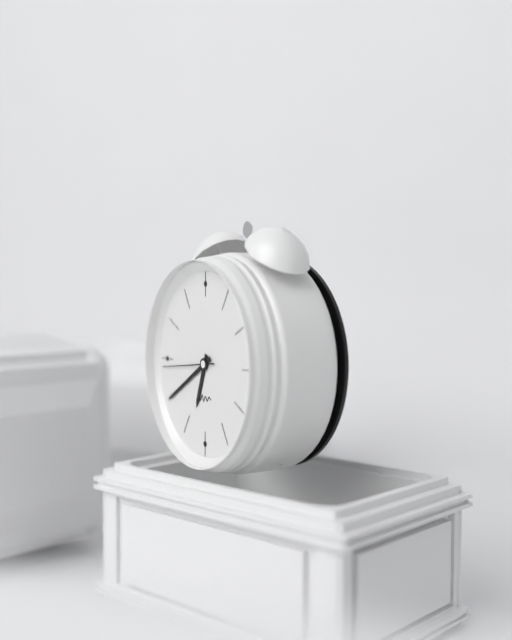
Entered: {"hour": 6, "minute": 40, "second": 44}
